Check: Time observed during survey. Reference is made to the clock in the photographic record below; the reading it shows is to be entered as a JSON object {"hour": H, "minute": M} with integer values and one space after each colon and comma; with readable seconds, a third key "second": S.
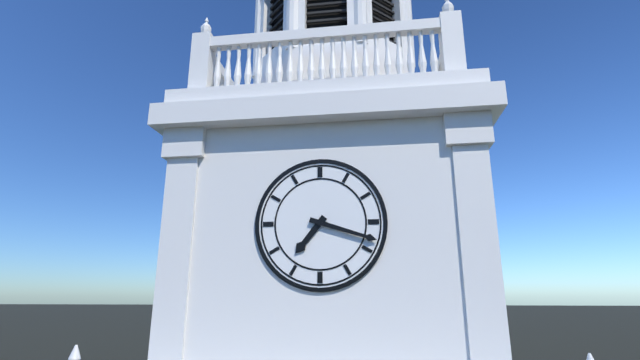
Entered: {"hour": 7, "minute": 18}
